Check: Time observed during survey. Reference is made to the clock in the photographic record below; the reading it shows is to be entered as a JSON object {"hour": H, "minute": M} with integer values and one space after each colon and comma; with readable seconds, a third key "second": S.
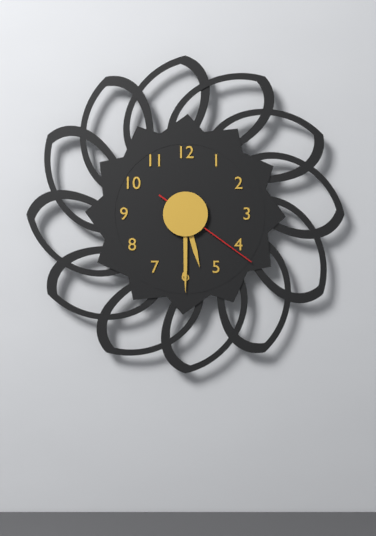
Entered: {"hour": 5, "minute": 30, "second": 21}
